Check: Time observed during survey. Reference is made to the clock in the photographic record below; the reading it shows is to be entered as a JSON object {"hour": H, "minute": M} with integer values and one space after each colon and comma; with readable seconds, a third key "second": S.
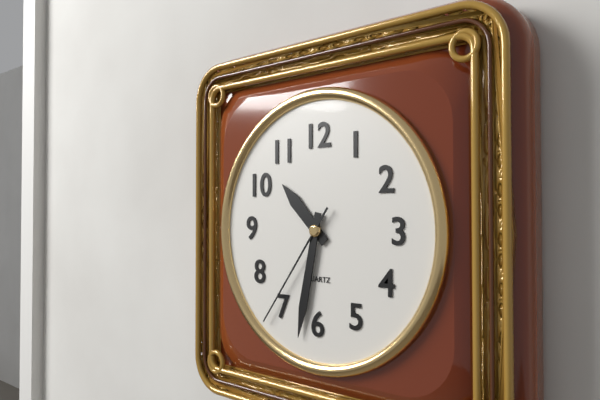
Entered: {"hour": 10, "minute": 32, "second": 36}
